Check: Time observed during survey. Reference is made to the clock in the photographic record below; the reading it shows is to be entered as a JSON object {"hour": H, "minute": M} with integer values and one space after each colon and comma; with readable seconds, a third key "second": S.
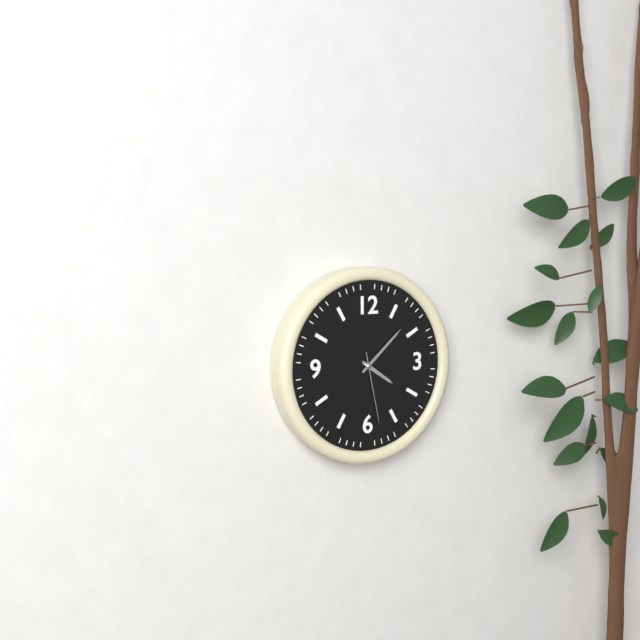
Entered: {"hour": 4, "minute": 8, "second": 28}
